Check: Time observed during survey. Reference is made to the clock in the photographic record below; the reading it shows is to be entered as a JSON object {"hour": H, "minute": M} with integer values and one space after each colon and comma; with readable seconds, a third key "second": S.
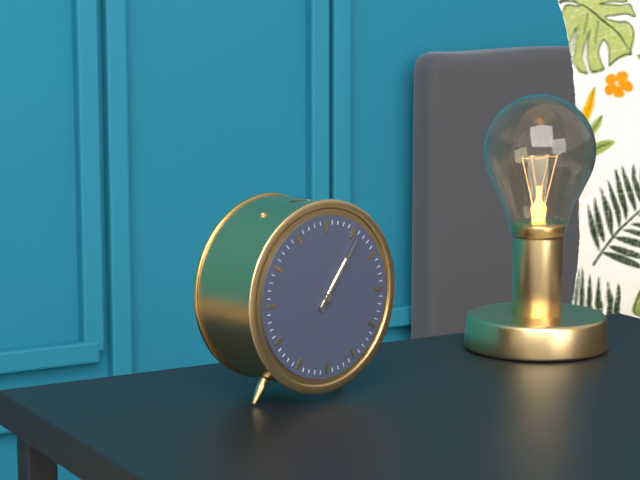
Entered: {"hour": 1, "minute": 6}
